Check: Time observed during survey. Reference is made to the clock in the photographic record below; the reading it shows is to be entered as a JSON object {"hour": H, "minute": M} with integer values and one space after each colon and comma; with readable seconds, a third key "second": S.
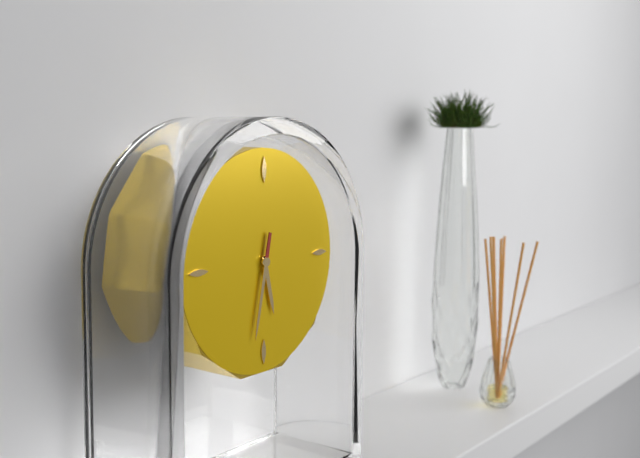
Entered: {"hour": 5, "minute": 32}
